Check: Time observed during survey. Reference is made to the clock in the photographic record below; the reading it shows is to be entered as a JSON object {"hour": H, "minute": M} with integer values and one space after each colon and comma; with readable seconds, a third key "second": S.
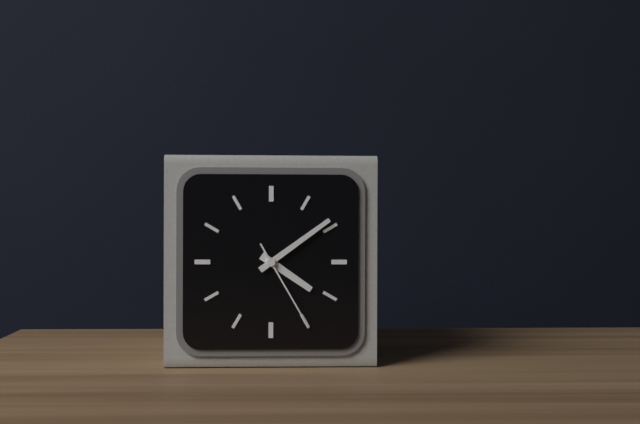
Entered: {"hour": 4, "minute": 9, "second": 25}
